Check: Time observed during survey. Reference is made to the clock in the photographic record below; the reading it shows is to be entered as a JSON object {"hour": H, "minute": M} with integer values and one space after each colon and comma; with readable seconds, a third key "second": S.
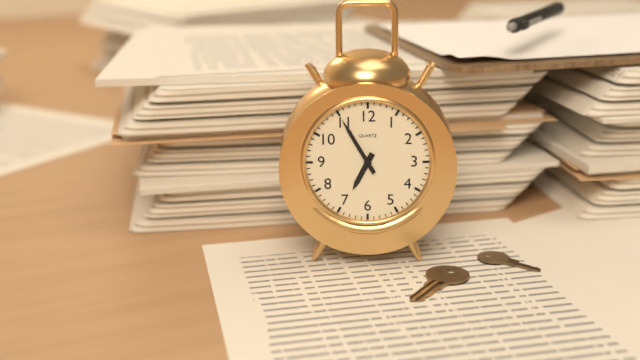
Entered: {"hour": 6, "minute": 55}
